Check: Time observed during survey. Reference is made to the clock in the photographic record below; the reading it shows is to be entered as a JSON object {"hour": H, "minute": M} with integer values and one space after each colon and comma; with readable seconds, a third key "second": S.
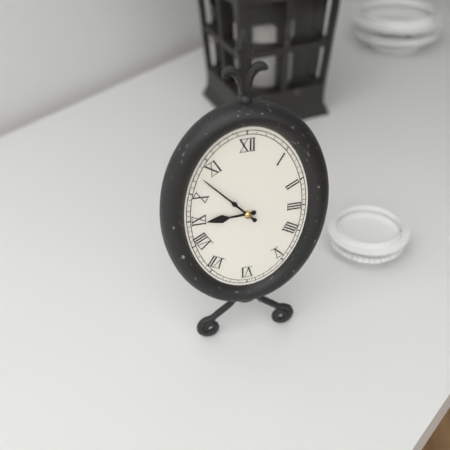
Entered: {"hour": 8, "minute": 53}
